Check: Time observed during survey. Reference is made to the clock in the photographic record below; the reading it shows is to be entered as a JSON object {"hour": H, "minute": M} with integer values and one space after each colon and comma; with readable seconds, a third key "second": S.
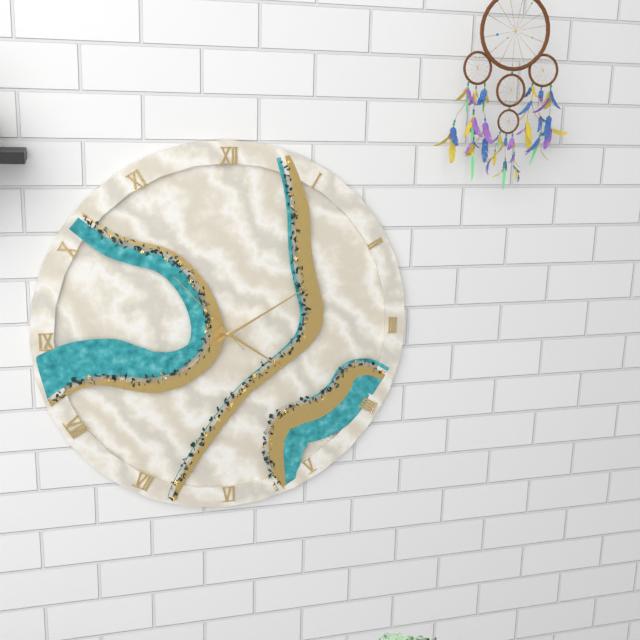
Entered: {"hour": 4, "minute": 10, "second": 53}
